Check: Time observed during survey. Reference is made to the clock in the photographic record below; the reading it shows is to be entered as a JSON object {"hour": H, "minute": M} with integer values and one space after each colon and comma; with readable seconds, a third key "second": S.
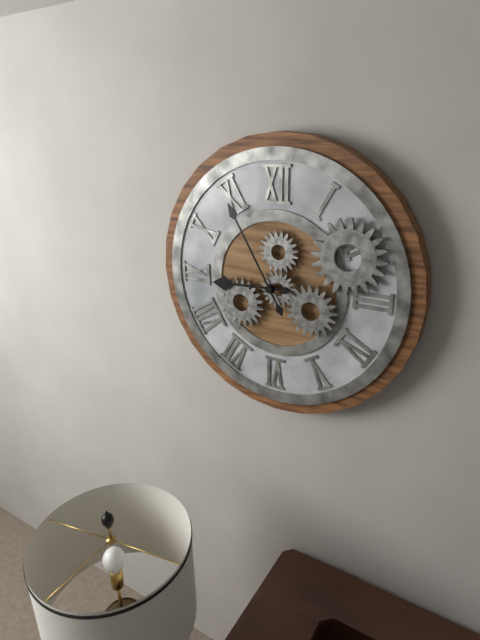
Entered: {"hour": 8, "minute": 55}
